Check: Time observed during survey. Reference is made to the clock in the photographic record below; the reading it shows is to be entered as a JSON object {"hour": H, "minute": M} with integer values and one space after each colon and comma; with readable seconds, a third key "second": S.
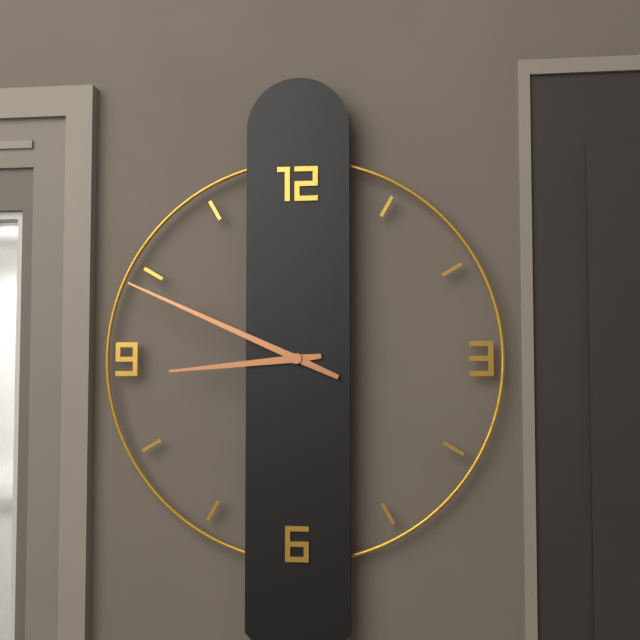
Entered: {"hour": 8, "minute": 49}
